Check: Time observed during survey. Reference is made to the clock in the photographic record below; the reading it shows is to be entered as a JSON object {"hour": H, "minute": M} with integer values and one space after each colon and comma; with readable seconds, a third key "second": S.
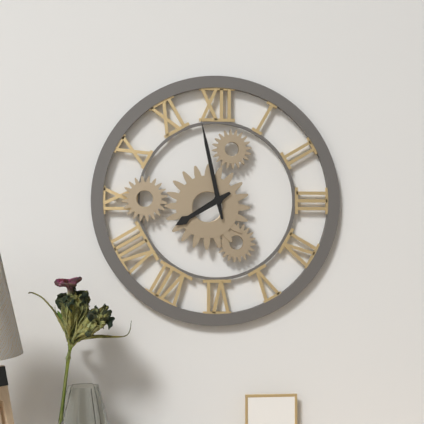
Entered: {"hour": 7, "minute": 58}
